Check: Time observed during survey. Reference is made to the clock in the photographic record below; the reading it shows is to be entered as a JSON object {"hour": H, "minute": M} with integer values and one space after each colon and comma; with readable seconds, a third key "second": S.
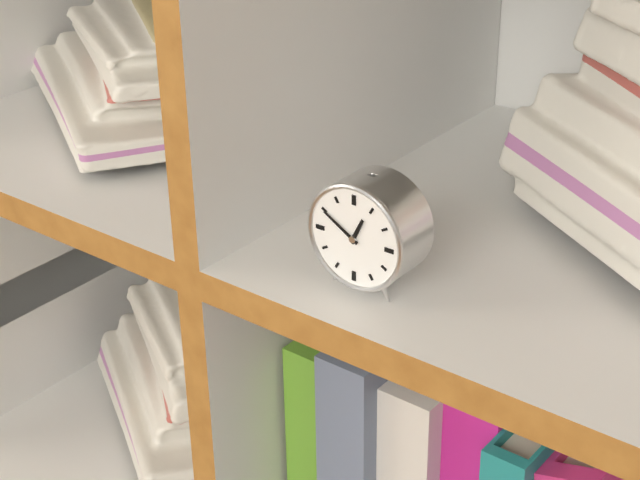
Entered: {"hour": 12, "minute": 50}
